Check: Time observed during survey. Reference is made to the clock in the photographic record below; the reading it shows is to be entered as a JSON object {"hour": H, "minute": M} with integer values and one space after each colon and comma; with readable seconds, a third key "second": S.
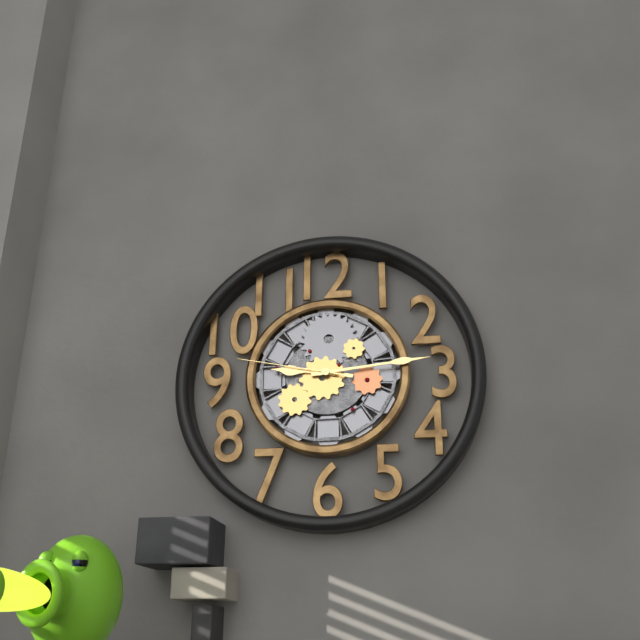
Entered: {"hour": 9, "minute": 14, "second": 47}
